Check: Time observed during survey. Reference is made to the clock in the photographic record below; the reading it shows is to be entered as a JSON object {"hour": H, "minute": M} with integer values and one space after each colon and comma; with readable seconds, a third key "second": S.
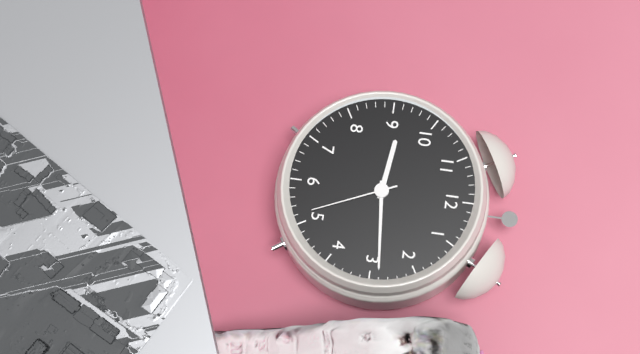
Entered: {"hour": 9, "minute": 14, "second": 26}
